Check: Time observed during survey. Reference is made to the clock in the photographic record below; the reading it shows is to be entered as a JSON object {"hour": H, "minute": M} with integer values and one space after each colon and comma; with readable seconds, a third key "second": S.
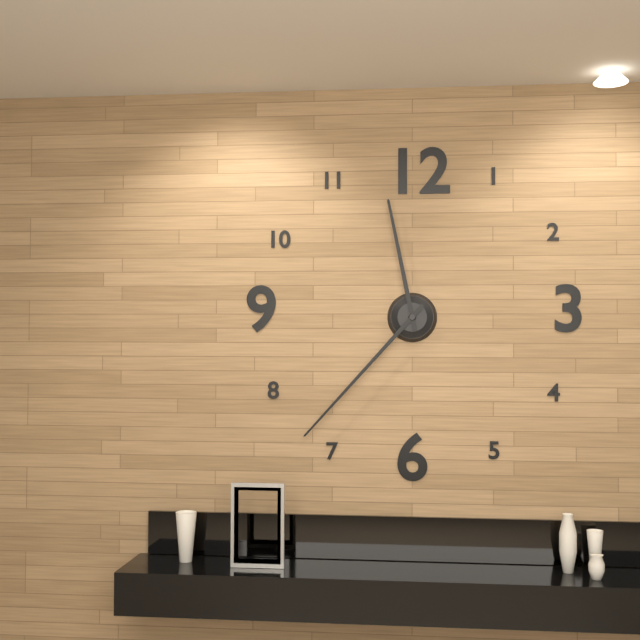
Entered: {"hour": 11, "minute": 37}
